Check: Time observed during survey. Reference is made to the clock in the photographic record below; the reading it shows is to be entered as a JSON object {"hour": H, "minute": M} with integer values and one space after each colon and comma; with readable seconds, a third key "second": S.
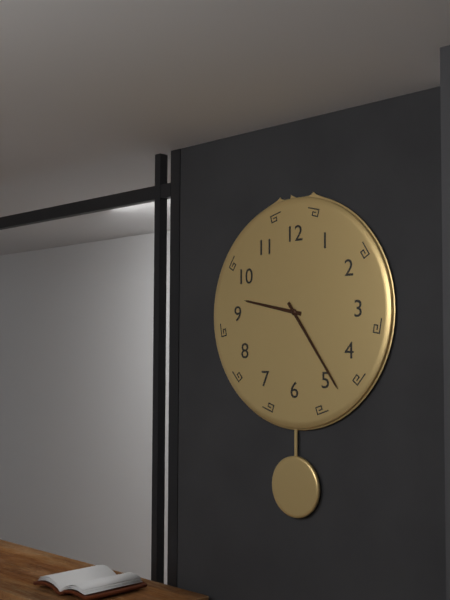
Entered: {"hour": 9, "minute": 24}
